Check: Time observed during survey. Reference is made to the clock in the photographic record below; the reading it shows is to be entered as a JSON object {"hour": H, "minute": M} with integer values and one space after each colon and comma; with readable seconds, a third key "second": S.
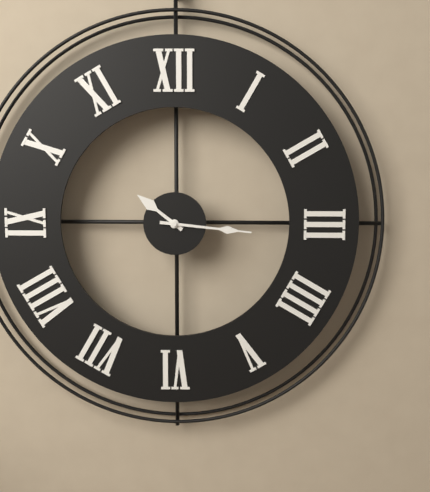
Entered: {"hour": 10, "minute": 16}
